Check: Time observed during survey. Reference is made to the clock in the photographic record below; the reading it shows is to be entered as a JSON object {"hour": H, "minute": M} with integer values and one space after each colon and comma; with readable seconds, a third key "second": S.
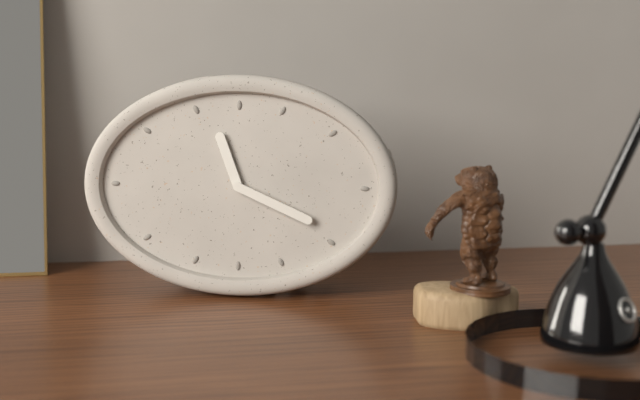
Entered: {"hour": 11, "minute": 19}
